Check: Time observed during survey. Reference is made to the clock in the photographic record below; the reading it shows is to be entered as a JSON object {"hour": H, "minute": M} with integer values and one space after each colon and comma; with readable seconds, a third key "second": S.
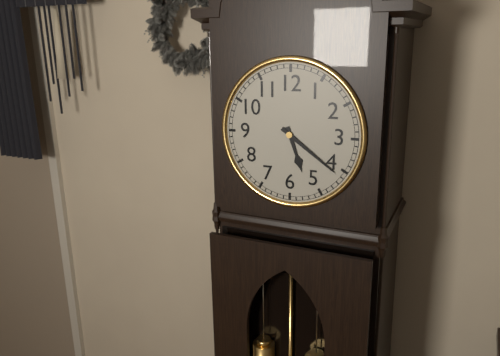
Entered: {"hour": 5, "minute": 21}
